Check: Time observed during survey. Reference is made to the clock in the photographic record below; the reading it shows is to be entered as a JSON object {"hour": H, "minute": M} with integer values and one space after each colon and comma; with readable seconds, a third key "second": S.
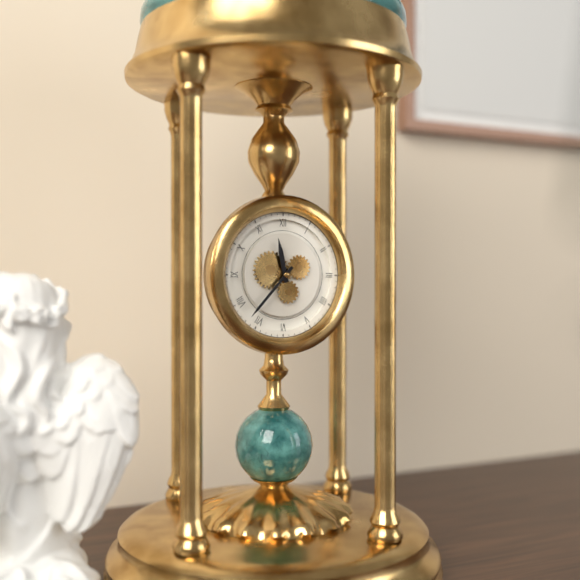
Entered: {"hour": 11, "minute": 37}
